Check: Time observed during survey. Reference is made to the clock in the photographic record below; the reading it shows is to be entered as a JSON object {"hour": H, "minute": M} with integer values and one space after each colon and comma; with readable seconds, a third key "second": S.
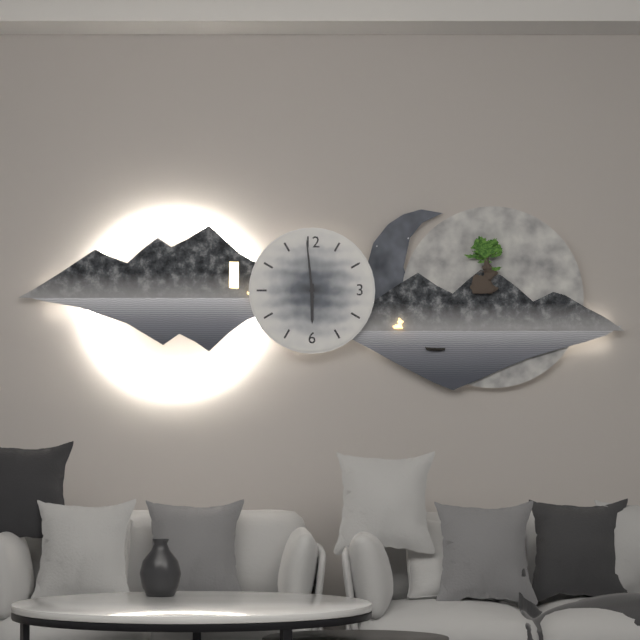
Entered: {"hour": 5, "minute": 59}
